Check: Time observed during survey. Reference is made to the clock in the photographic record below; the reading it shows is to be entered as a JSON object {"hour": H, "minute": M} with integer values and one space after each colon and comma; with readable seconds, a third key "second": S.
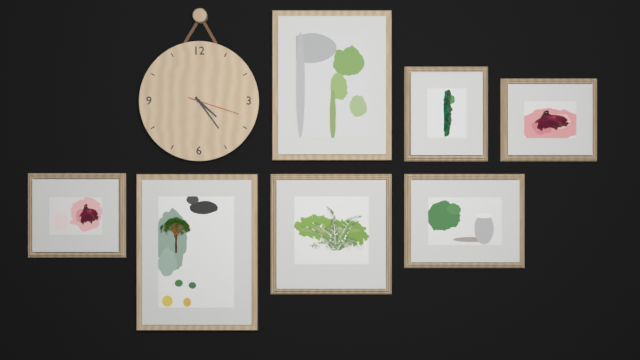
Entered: {"hour": 4, "minute": 24, "second": 18}
